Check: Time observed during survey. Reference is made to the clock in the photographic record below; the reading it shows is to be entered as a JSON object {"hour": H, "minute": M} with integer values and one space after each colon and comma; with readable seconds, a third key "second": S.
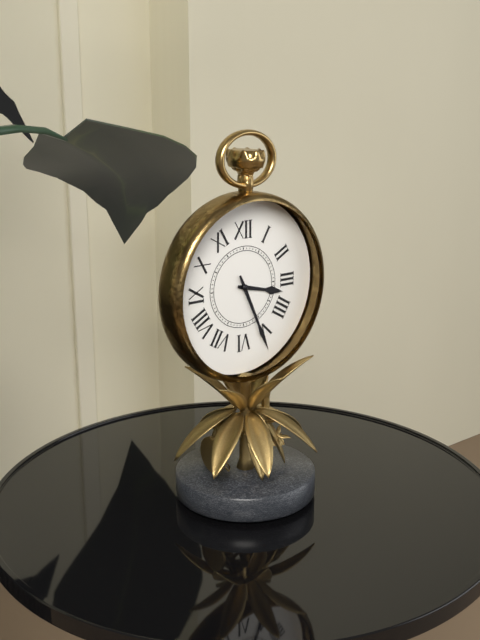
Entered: {"hour": 3, "minute": 26}
